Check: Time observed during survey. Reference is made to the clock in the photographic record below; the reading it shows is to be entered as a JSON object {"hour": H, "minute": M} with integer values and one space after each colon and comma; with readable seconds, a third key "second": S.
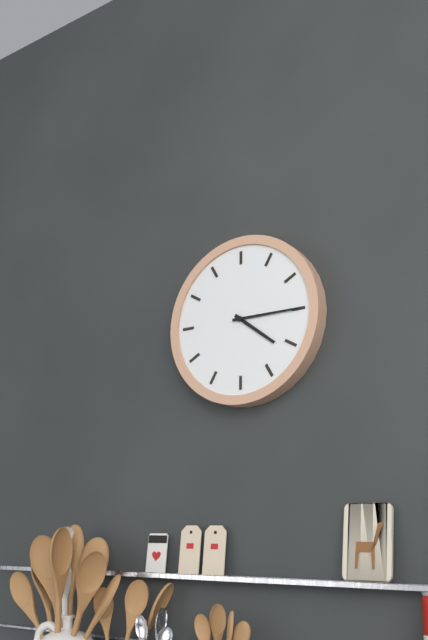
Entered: {"hour": 4, "minute": 15}
